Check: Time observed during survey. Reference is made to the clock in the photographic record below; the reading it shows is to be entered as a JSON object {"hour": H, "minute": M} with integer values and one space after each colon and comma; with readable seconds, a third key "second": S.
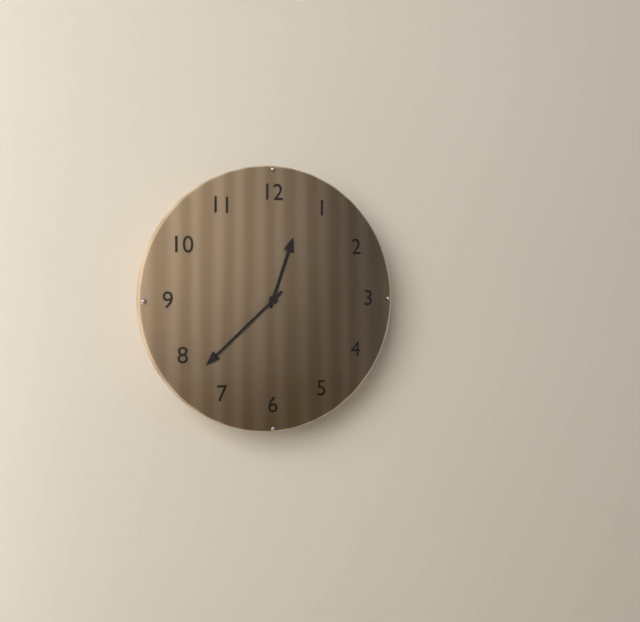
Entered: {"hour": 12, "minute": 38}
